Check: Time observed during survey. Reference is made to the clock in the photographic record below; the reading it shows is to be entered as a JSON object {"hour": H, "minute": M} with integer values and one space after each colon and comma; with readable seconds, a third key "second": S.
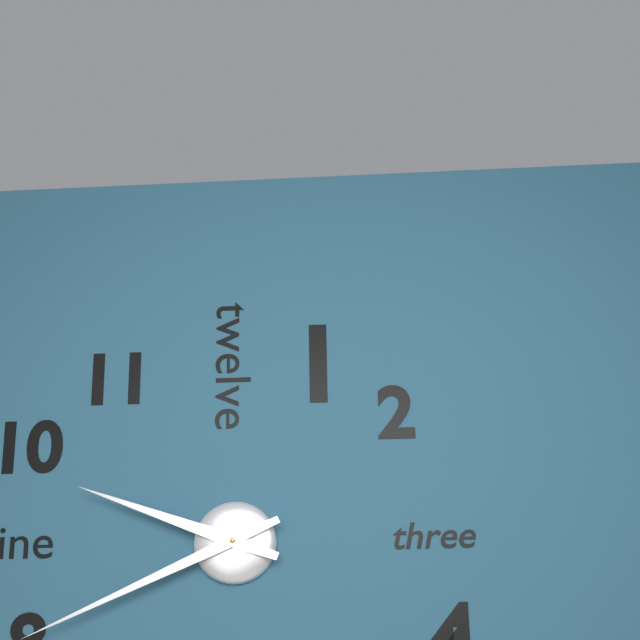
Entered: {"hour": 9, "minute": 41}
